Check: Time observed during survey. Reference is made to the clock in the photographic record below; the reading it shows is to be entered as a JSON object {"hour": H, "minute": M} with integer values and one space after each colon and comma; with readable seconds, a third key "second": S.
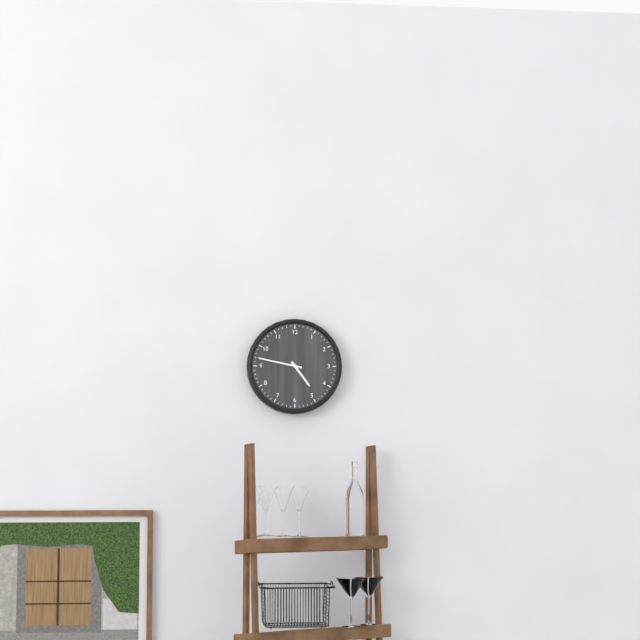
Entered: {"hour": 4, "minute": 47}
